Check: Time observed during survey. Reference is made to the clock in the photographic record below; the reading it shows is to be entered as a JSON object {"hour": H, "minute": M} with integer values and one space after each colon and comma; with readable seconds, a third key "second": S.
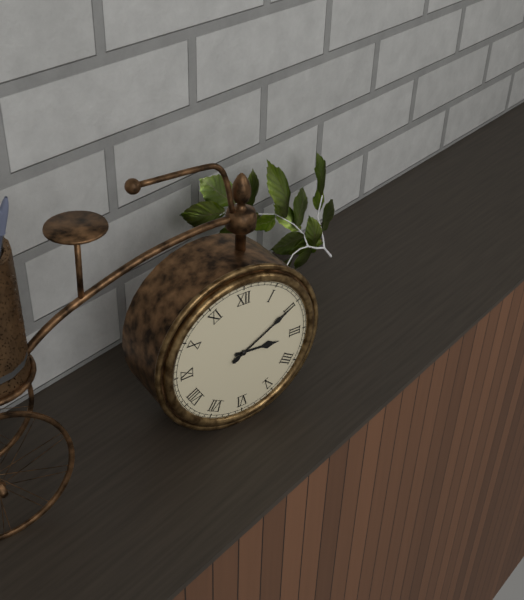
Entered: {"hour": 3, "minute": 10}
